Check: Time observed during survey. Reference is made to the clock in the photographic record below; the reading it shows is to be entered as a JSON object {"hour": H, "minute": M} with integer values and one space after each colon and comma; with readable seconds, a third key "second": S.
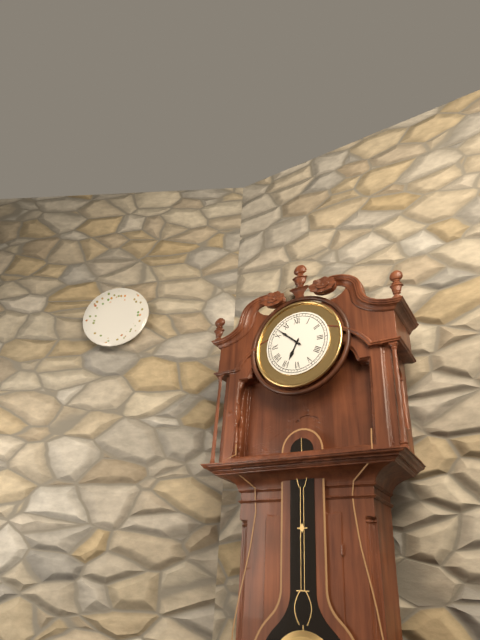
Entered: {"hour": 6, "minute": 52}
